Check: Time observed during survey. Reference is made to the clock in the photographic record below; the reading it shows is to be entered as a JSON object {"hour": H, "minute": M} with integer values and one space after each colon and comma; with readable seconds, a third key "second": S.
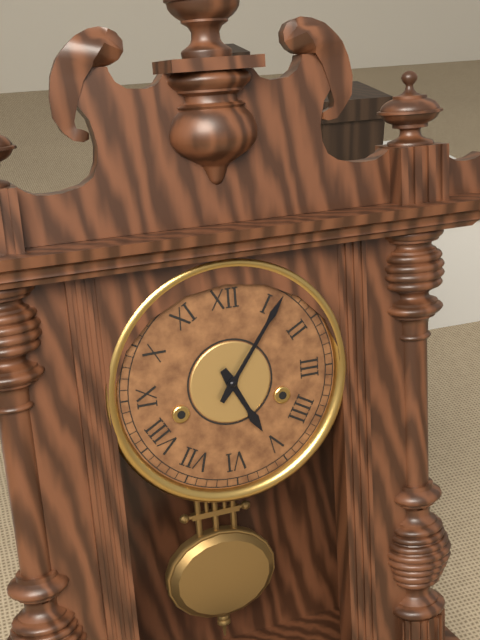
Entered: {"hour": 5, "minute": 6}
